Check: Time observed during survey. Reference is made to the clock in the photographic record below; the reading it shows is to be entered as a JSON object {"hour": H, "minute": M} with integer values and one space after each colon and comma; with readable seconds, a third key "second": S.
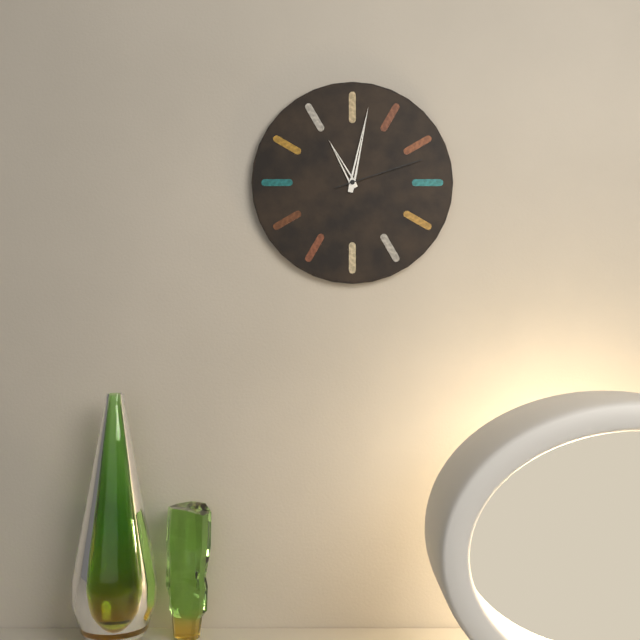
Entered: {"hour": 11, "minute": 2, "second": 12}
